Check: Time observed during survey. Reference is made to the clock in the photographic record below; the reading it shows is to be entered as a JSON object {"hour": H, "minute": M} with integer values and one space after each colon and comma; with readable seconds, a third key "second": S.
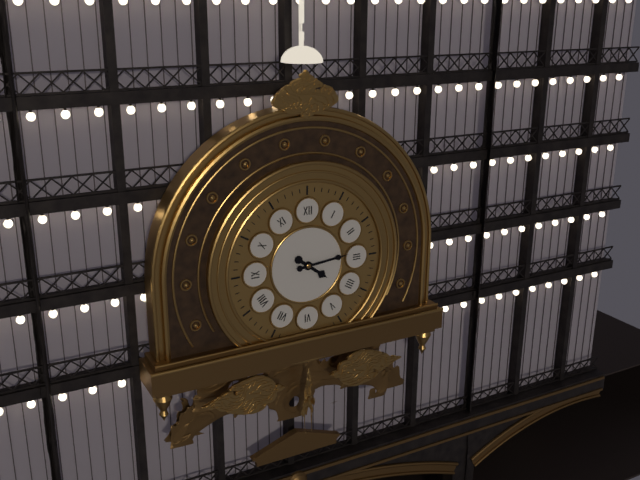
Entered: {"hour": 4, "minute": 14}
